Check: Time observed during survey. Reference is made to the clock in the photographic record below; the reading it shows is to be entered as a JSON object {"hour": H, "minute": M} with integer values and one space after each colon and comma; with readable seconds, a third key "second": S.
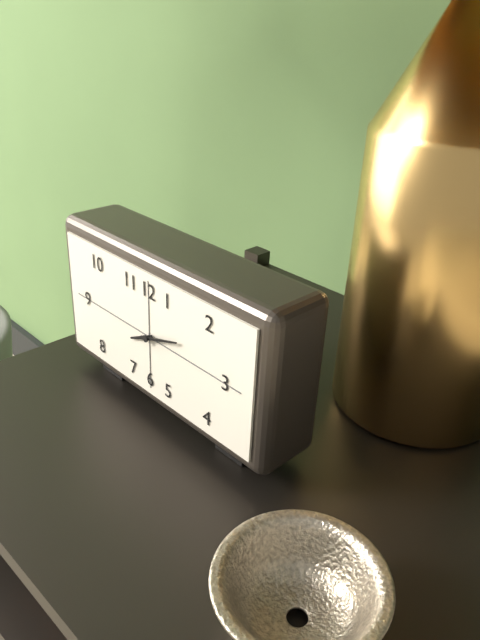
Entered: {"hour": 8, "minute": 12}
